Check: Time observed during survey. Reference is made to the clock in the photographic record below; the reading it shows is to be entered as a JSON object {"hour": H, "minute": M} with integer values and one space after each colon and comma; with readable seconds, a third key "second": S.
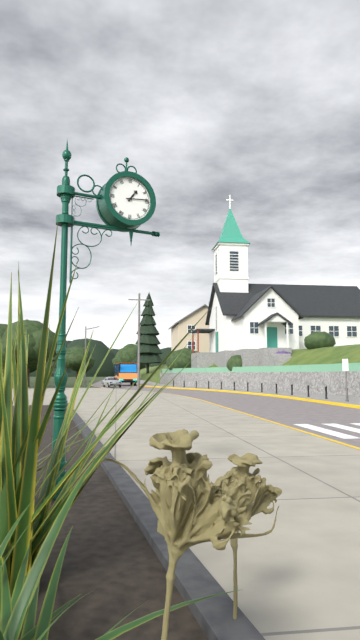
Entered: {"hour": 1, "minute": 14}
